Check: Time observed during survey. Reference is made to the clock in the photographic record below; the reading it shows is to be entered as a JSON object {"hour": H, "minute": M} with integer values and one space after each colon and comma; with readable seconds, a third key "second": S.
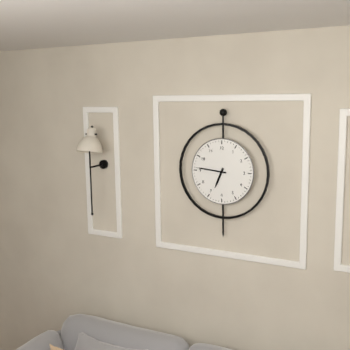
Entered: {"hour": 6, "minute": 46}
